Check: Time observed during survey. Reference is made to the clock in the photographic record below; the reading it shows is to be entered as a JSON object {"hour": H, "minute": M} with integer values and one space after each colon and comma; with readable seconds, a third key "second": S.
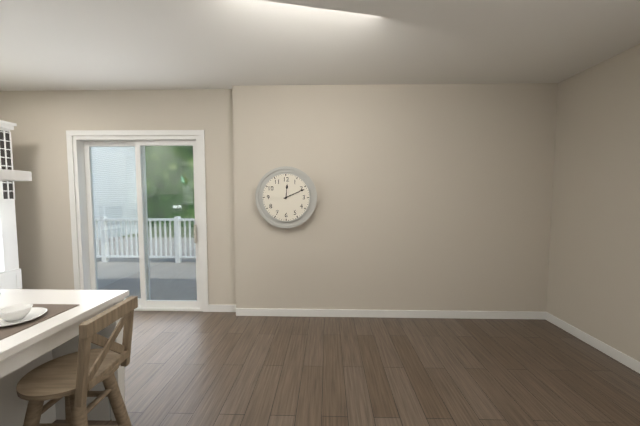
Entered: {"hour": 12, "minute": 11}
